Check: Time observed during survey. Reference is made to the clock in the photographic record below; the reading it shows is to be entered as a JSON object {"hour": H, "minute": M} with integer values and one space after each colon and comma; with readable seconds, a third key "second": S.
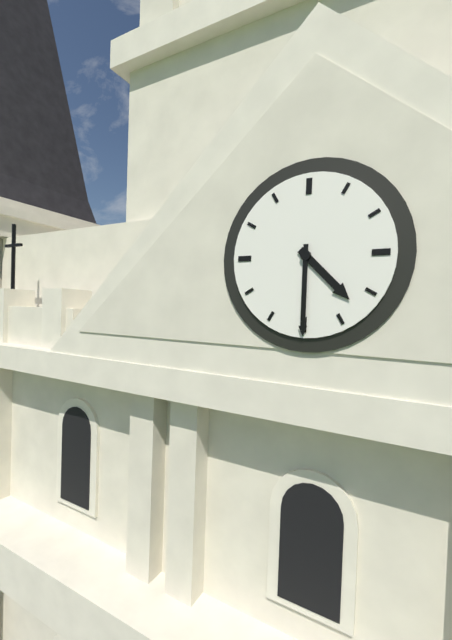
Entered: {"hour": 4, "minute": 30}
